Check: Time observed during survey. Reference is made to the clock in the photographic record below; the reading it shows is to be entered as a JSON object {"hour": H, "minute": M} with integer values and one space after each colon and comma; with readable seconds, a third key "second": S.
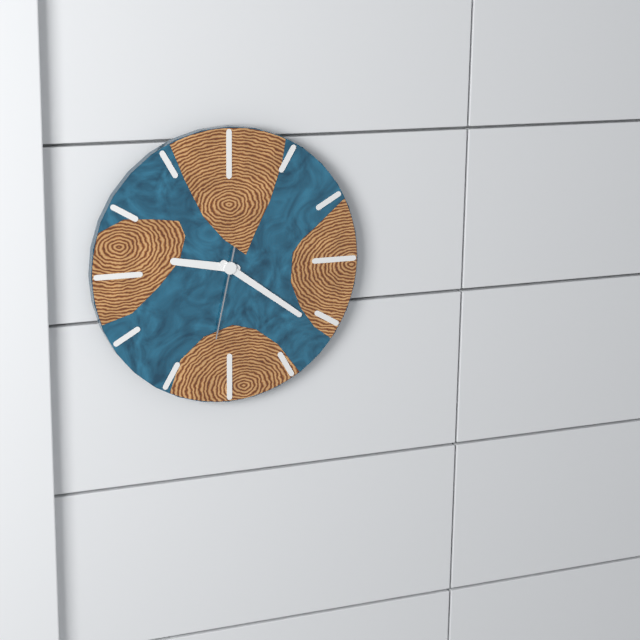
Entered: {"hour": 9, "minute": 21, "second": 32}
